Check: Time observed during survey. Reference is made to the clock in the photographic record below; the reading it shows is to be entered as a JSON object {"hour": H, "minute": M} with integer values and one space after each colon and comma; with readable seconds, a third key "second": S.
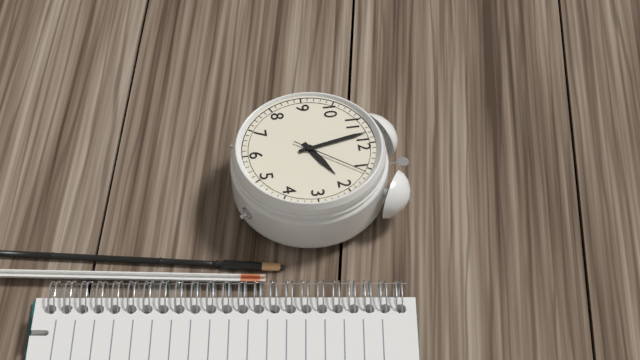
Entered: {"hour": 1, "minute": 58, "second": 6}
